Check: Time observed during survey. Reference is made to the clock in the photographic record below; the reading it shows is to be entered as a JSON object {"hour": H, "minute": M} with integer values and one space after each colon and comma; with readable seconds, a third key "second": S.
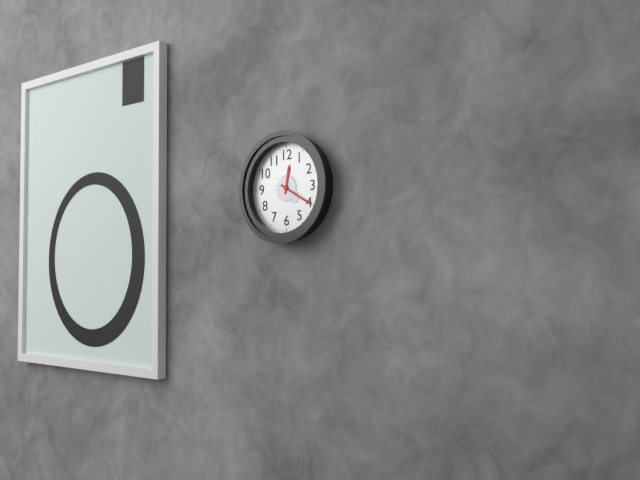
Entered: {"hour": 12, "minute": 20}
